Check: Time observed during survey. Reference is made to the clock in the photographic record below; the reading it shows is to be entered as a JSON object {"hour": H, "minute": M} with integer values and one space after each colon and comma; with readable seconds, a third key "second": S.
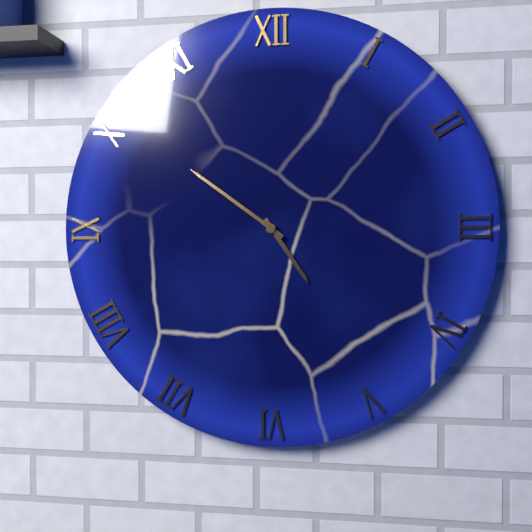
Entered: {"hour": 4, "minute": 51}
